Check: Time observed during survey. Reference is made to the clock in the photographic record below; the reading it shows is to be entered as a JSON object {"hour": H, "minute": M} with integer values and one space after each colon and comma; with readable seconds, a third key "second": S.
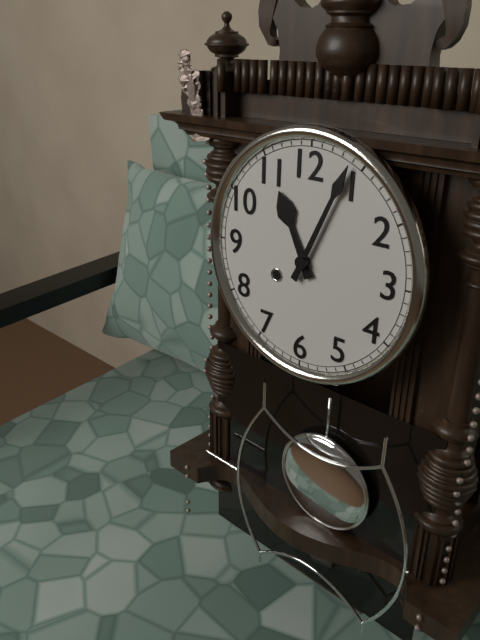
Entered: {"hour": 11, "minute": 4}
